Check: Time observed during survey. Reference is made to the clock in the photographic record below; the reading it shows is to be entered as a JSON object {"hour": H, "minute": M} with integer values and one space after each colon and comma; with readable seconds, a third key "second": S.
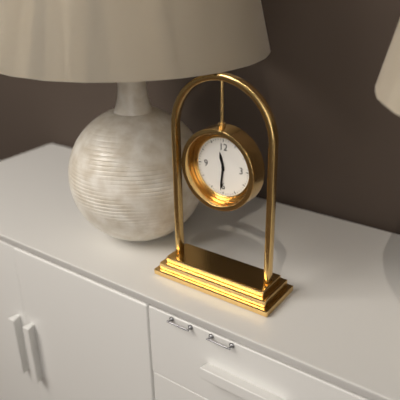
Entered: {"hour": 11, "minute": 31}
